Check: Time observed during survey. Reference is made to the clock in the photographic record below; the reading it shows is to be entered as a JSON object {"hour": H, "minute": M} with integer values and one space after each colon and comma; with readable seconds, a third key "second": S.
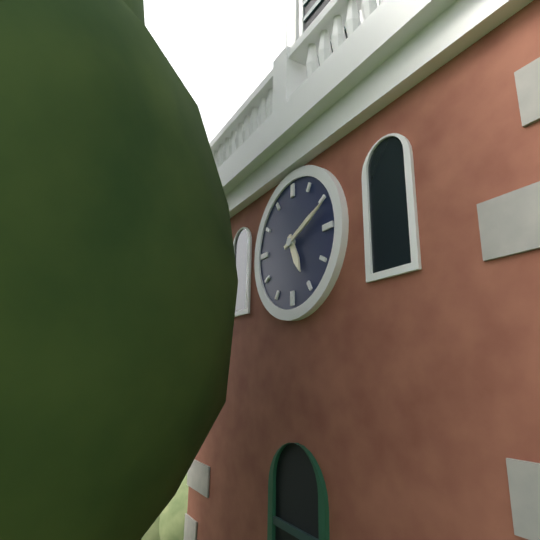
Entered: {"hour": 5, "minute": 11}
